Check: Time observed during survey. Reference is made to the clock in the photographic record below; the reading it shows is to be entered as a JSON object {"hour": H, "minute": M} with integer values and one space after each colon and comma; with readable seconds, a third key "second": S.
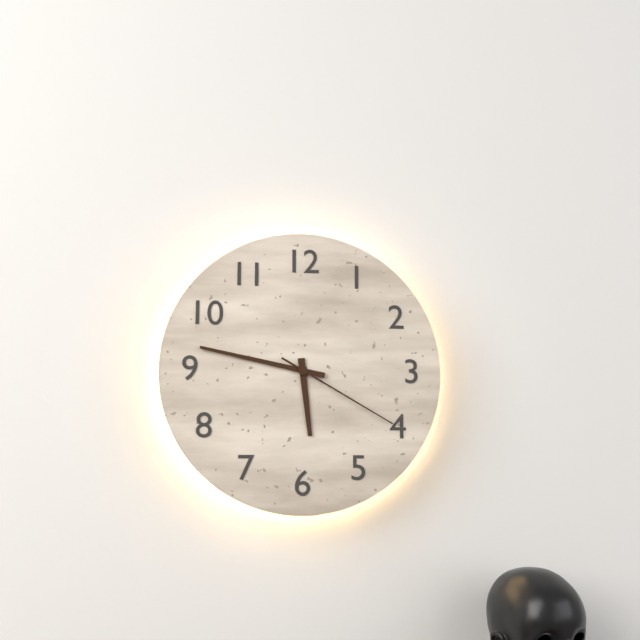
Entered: {"hour": 5, "minute": 47, "second": 20}
